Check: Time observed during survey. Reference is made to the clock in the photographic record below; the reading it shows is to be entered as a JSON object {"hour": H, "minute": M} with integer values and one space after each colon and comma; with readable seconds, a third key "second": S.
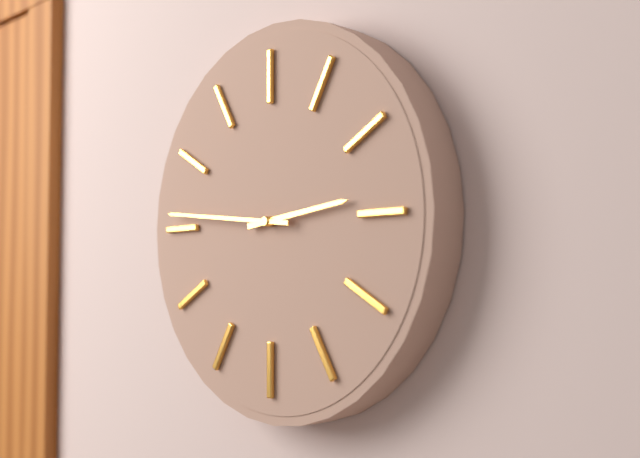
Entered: {"hour": 2, "minute": 46}
